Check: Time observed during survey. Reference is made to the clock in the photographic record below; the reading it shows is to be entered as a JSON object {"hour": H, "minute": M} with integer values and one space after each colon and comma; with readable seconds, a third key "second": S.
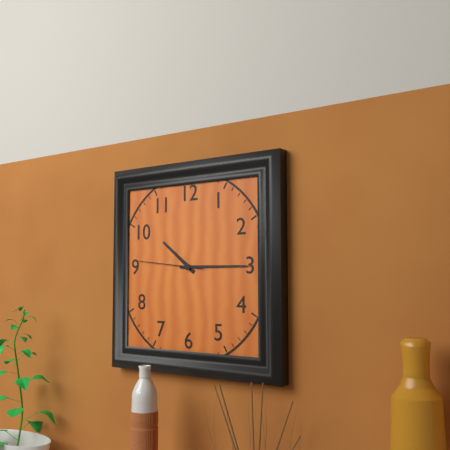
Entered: {"hour": 10, "minute": 15, "second": 46}
